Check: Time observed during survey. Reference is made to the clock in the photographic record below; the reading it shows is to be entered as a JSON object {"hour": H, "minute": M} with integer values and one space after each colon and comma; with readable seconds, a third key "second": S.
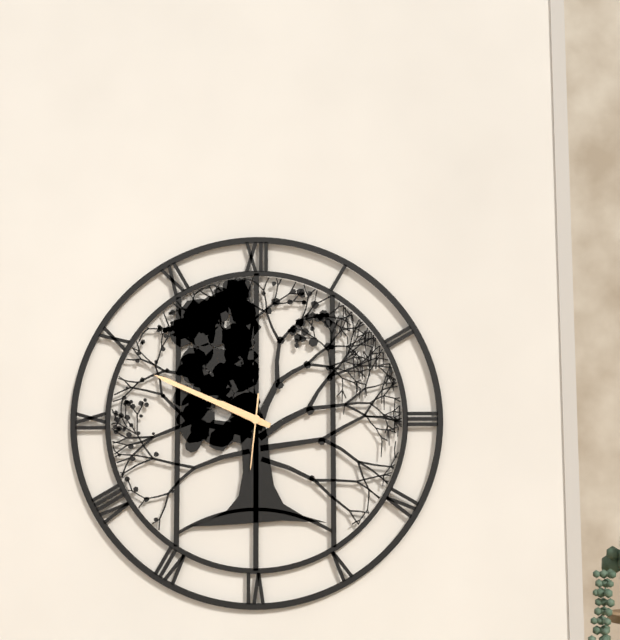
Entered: {"hour": 9, "minute": 49, "second": 31}
